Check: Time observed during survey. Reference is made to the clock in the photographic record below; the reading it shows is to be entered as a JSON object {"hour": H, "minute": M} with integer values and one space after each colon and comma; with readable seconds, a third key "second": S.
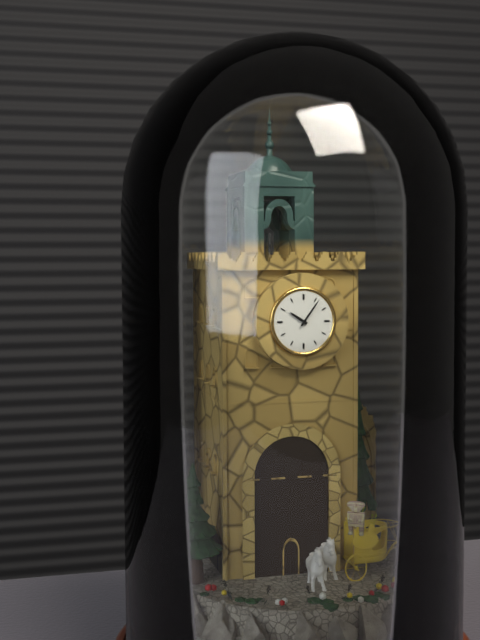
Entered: {"hour": 10, "minute": 6}
